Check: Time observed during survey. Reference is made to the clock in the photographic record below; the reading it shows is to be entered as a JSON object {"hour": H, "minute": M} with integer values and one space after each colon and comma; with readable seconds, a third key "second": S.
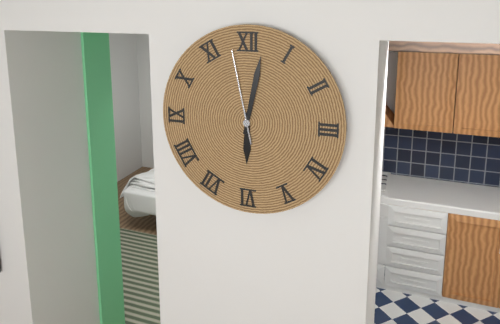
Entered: {"hour": 6, "minute": 2, "second": 58}
